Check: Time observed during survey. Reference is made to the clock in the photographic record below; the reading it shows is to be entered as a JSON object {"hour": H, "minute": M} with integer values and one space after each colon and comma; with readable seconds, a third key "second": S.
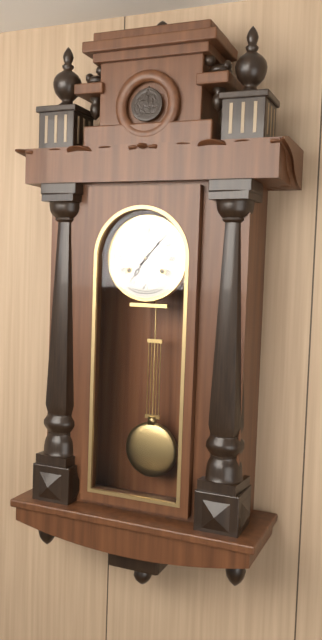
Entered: {"hour": 7, "minute": 7}
